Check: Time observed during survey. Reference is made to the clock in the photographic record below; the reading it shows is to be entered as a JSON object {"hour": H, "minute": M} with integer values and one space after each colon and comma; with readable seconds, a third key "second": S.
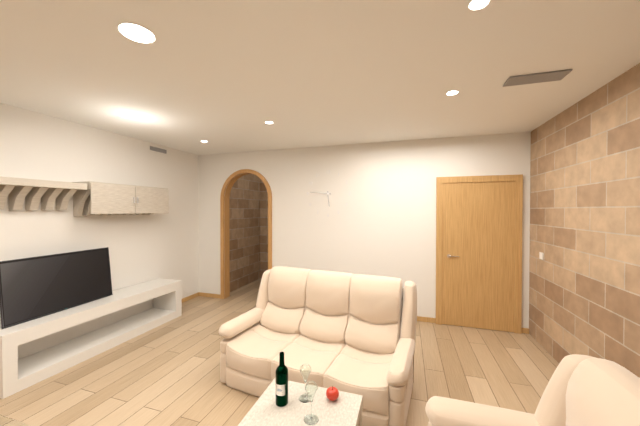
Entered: {"hour": 5, "minute": 46}
